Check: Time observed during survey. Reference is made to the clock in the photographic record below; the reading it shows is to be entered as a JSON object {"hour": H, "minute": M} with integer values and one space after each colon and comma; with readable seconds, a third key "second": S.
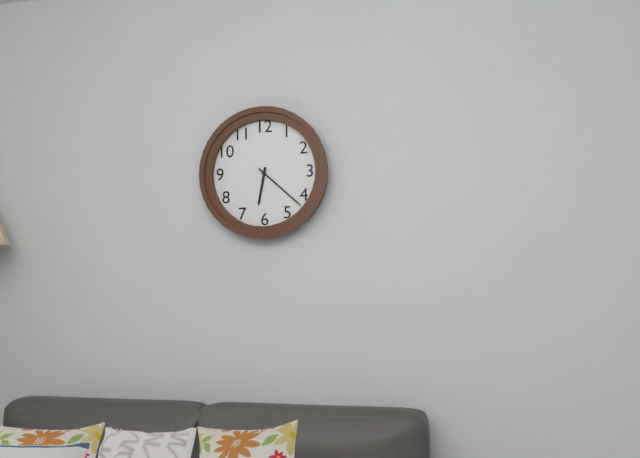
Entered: {"hour": 6, "minute": 22}
